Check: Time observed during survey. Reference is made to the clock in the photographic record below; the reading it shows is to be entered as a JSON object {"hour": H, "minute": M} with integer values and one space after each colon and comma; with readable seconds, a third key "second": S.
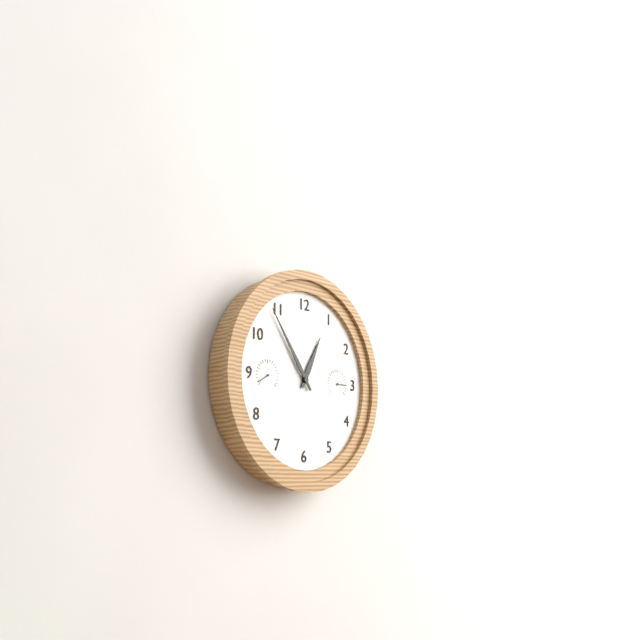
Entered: {"hour": 12, "minute": 54}
